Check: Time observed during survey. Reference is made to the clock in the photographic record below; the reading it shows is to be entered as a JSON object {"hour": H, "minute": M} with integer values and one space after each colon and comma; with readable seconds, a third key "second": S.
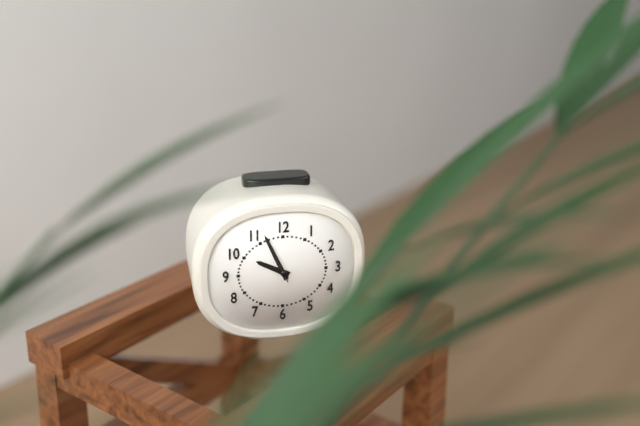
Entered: {"hour": 9, "minute": 56}
